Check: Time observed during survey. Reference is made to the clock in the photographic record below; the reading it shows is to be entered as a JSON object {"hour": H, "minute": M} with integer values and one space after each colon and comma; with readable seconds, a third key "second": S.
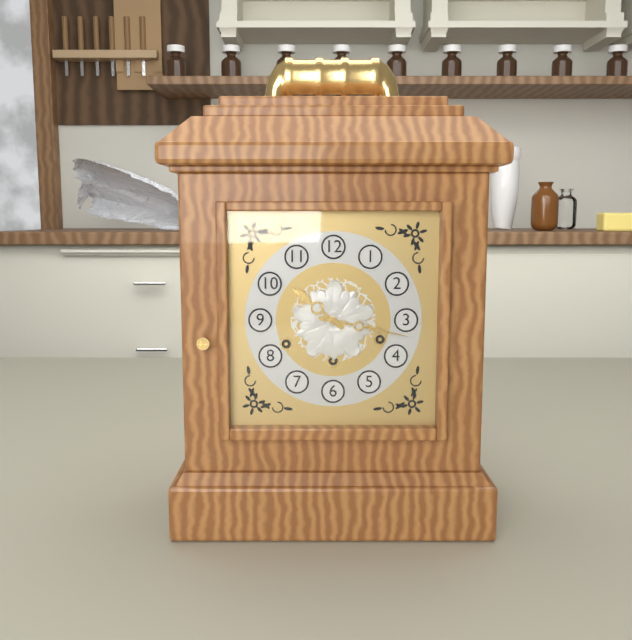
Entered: {"hour": 10, "minute": 17}
